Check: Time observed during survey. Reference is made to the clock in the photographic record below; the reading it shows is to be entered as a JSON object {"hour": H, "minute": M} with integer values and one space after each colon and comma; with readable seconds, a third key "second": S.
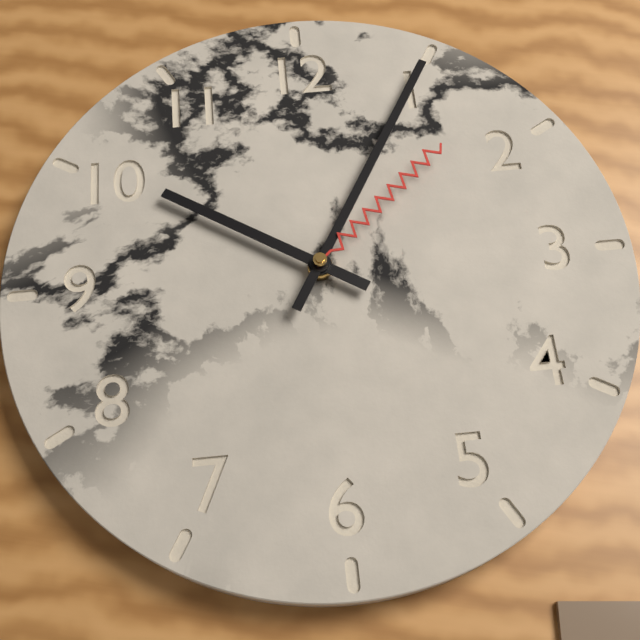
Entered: {"hour": 10, "minute": 5, "second": 8}
